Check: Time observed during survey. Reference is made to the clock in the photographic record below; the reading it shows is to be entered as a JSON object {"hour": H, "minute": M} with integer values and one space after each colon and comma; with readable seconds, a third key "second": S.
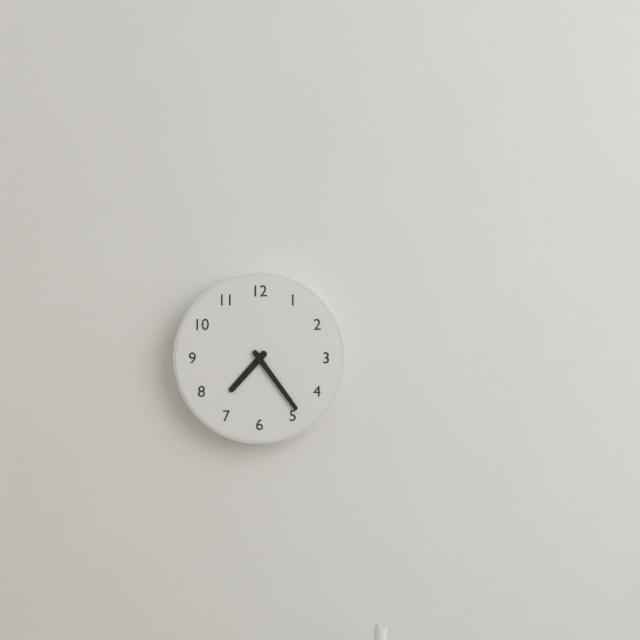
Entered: {"hour": 7, "minute": 24}
